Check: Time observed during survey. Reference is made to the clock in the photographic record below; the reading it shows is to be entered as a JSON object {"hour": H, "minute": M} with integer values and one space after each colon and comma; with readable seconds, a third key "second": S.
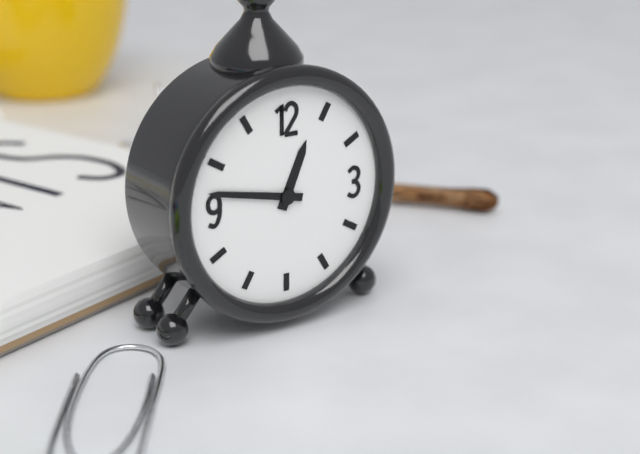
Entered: {"hour": 12, "minute": 47}
